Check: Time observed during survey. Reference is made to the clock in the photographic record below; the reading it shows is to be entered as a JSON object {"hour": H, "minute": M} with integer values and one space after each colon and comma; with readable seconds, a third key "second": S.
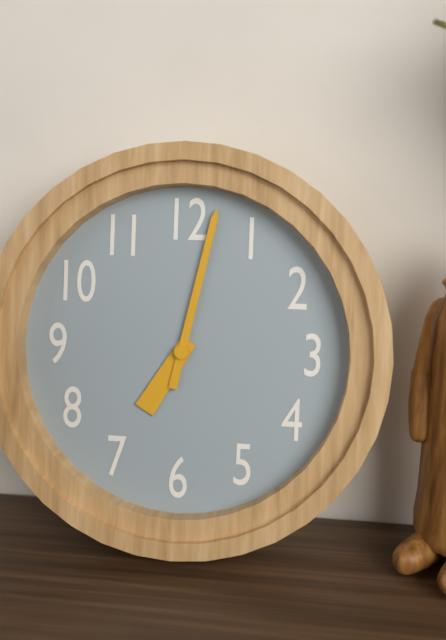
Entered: {"hour": 7, "minute": 2}
